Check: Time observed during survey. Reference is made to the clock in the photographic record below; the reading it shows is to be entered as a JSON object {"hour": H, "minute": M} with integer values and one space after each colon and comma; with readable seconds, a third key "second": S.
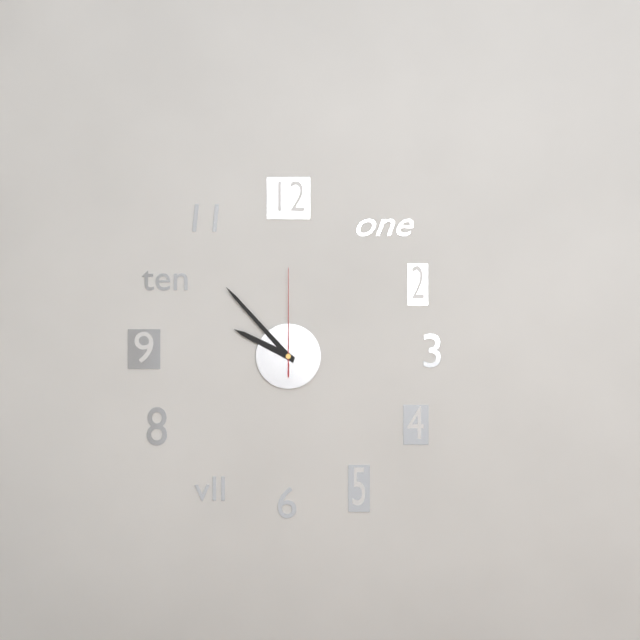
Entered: {"hour": 9, "minute": 53, "second": 0}
